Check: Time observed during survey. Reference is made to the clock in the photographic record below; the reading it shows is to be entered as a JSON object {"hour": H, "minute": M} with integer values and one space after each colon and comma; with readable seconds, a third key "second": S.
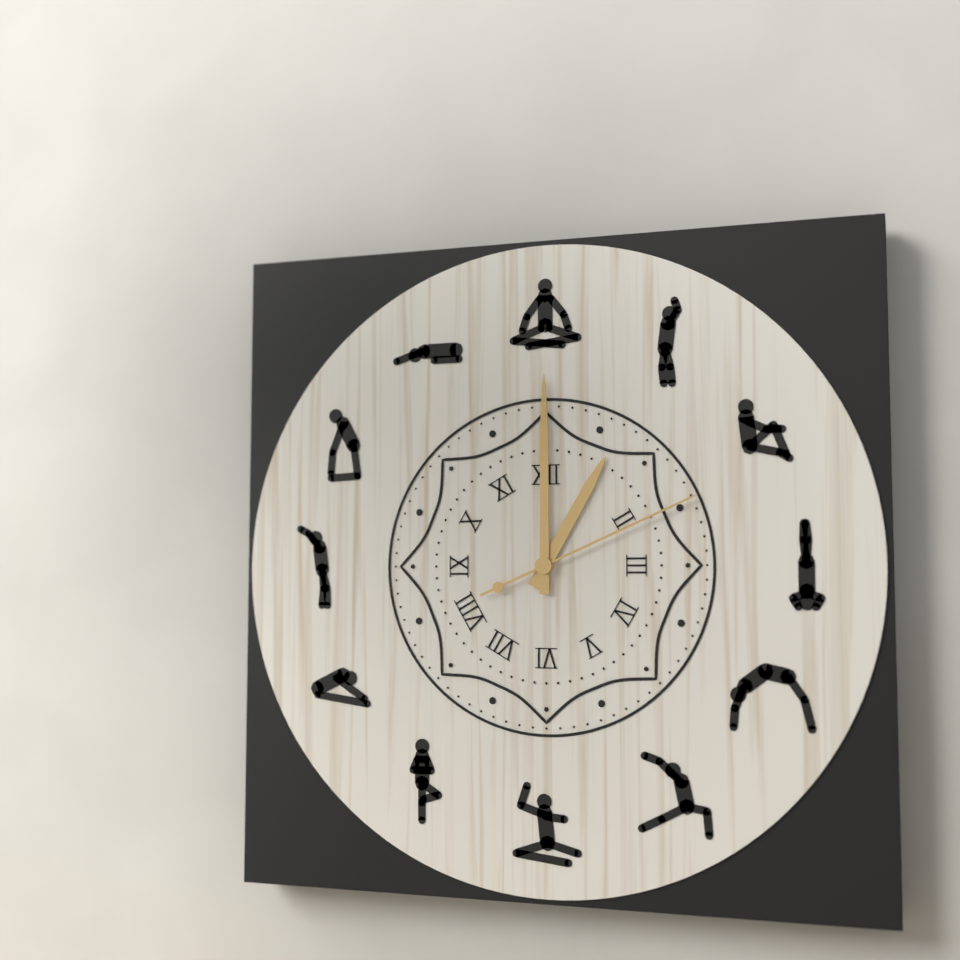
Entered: {"hour": 1, "minute": 0, "second": 11}
